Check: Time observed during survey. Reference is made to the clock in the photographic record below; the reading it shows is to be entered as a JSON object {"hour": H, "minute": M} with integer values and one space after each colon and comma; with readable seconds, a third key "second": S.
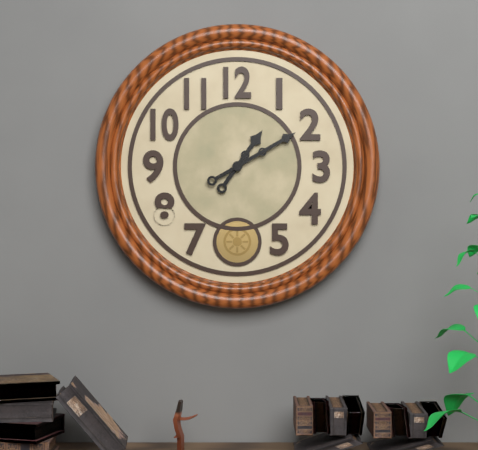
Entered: {"hour": 1, "minute": 10}
